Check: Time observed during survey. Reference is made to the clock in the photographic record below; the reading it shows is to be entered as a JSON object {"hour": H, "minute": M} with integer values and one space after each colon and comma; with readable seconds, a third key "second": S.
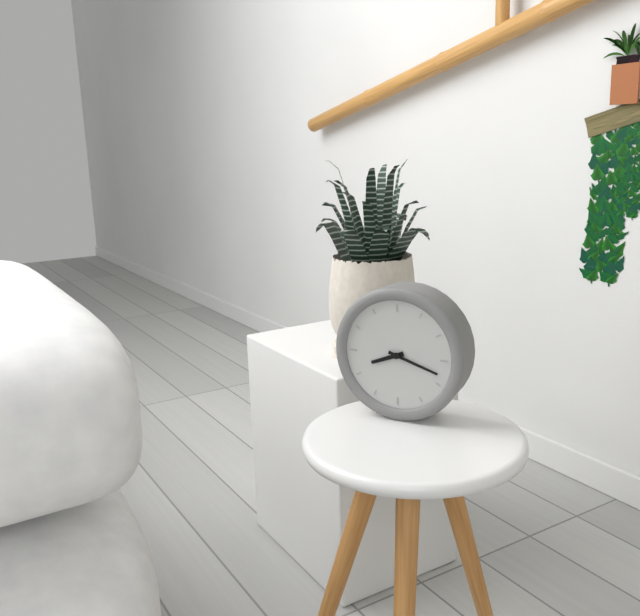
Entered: {"hour": 8, "minute": 18}
